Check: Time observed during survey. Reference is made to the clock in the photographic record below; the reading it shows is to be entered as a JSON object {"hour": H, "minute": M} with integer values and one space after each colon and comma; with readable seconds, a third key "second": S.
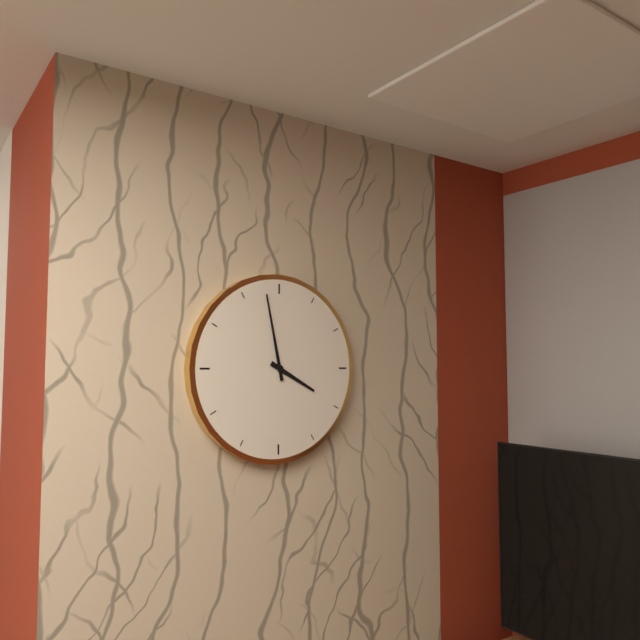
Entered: {"hour": 3, "minute": 58}
